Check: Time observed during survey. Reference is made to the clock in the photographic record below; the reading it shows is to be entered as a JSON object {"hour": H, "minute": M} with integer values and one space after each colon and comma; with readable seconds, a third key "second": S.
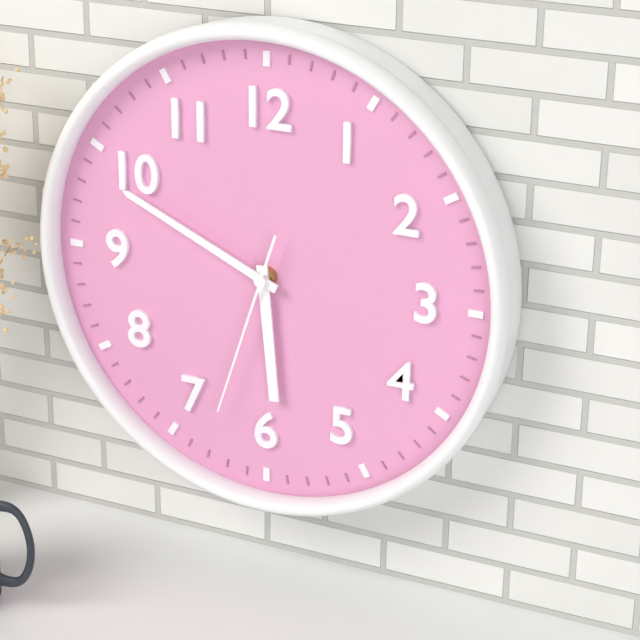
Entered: {"hour": 5, "minute": 49, "second": 33}
